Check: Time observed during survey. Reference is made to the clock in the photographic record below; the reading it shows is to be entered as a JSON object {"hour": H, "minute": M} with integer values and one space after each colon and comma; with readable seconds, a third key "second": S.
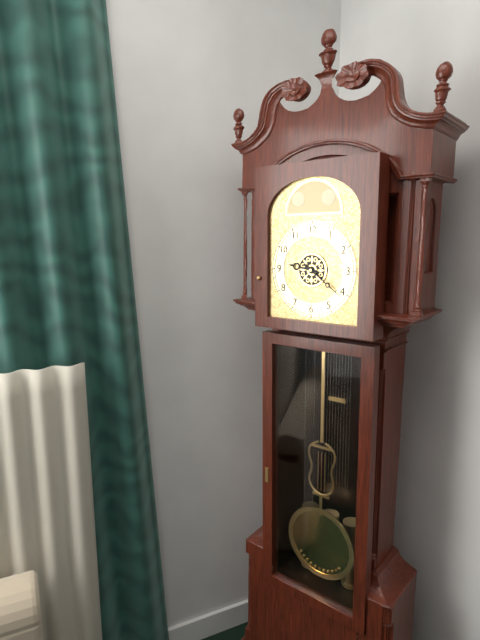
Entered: {"hour": 9, "minute": 21}
